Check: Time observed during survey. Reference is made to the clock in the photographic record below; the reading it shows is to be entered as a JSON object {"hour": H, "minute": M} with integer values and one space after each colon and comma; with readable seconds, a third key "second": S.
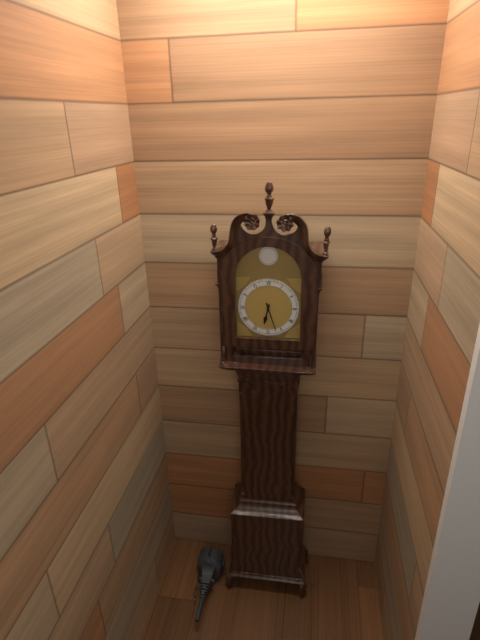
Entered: {"hour": 6, "minute": 27}
